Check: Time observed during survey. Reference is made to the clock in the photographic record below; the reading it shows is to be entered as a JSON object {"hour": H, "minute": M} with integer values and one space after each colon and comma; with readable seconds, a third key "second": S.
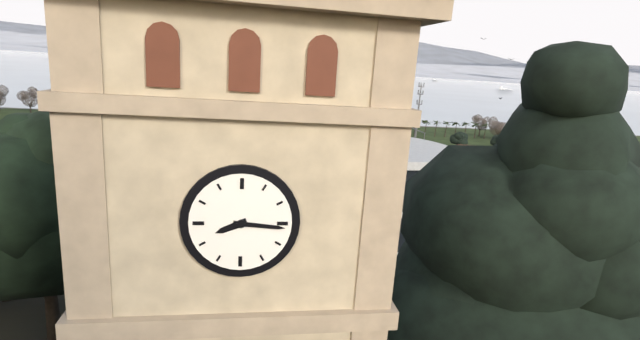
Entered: {"hour": 8, "minute": 16}
